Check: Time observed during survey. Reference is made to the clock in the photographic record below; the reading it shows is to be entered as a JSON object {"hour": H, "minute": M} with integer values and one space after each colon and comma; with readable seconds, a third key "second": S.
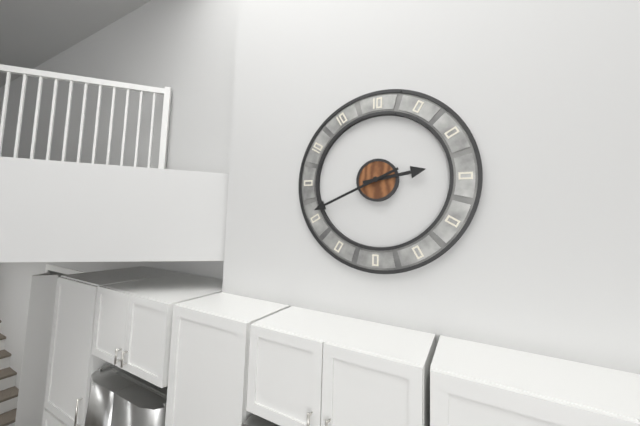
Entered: {"hour": 2, "minute": 41}
